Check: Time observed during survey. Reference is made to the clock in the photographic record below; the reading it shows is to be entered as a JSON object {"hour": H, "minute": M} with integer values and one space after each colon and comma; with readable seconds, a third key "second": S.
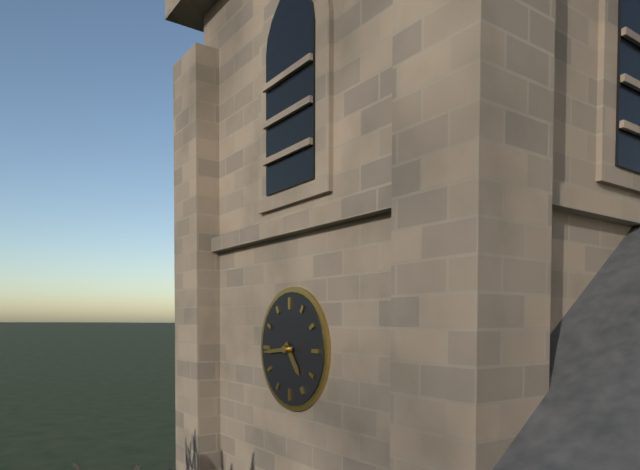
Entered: {"hour": 4, "minute": 44}
